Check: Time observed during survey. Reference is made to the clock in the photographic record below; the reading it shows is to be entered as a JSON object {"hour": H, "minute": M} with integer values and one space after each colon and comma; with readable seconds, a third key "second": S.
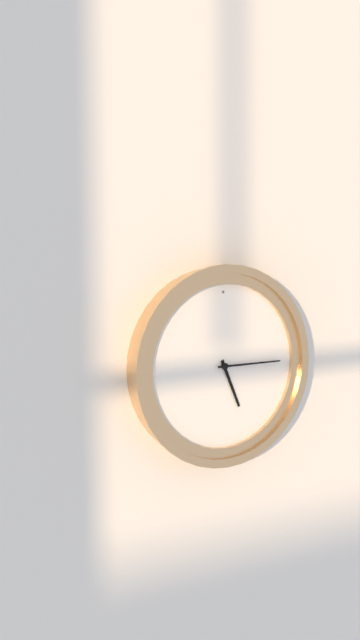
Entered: {"hour": 5, "minute": 15}
